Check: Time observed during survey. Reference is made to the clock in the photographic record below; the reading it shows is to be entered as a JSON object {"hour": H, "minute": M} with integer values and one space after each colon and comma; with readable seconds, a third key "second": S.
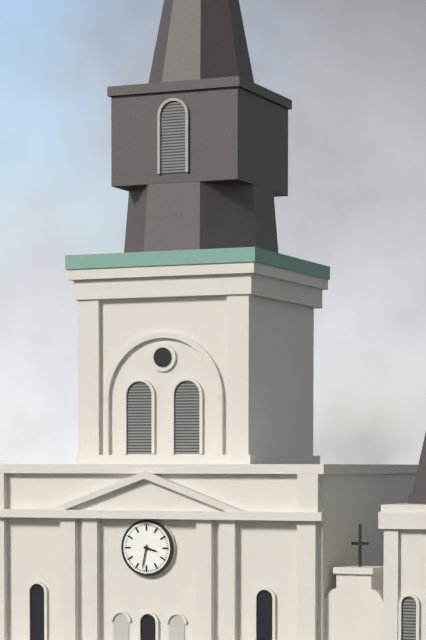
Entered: {"hour": 3, "minute": 32}
